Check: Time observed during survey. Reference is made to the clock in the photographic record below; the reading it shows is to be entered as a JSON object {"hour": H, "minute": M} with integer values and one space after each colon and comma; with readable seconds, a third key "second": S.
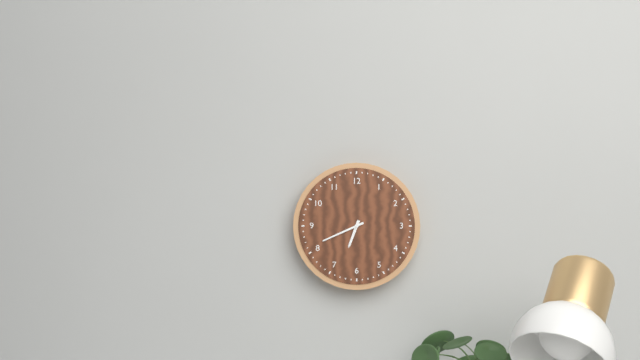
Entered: {"hour": 6, "minute": 41}
